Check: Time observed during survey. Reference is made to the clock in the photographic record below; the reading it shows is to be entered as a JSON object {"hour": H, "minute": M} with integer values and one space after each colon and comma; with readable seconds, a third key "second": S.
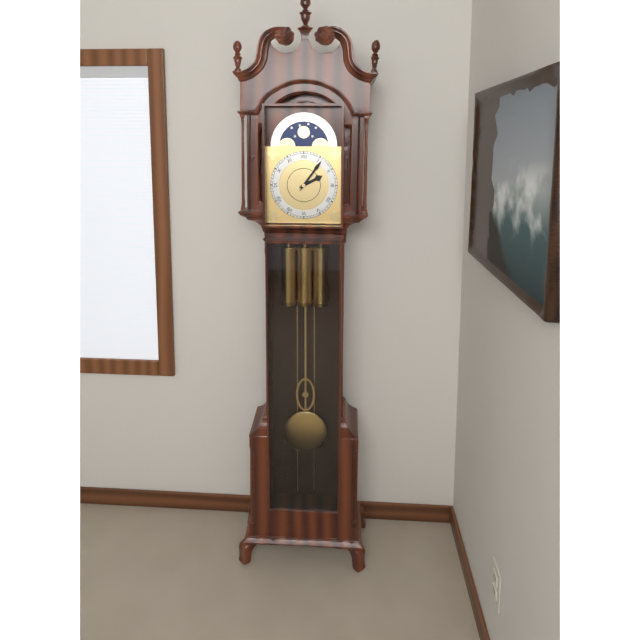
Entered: {"hour": 2, "minute": 6}
